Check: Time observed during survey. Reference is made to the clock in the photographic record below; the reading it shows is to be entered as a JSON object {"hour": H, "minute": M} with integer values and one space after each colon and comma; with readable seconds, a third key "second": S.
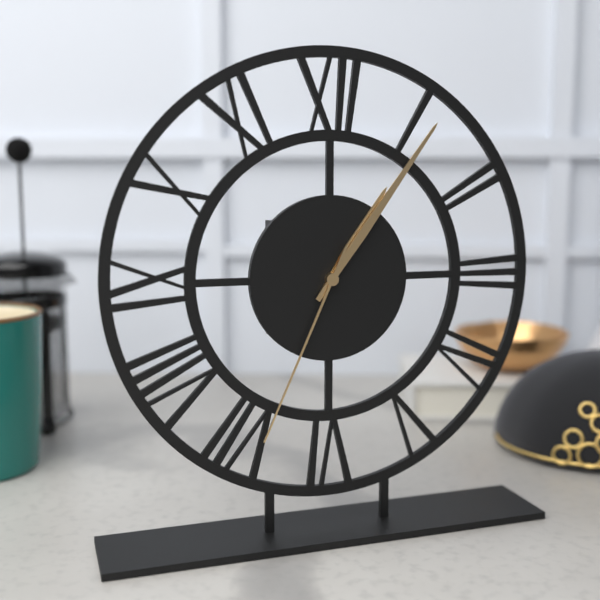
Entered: {"hour": 1, "minute": 6, "second": 34}
